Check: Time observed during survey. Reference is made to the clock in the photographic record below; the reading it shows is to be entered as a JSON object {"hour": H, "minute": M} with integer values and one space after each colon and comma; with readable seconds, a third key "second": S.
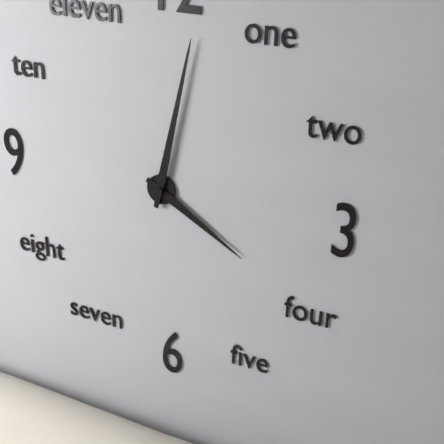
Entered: {"hour": 4, "minute": 2}
